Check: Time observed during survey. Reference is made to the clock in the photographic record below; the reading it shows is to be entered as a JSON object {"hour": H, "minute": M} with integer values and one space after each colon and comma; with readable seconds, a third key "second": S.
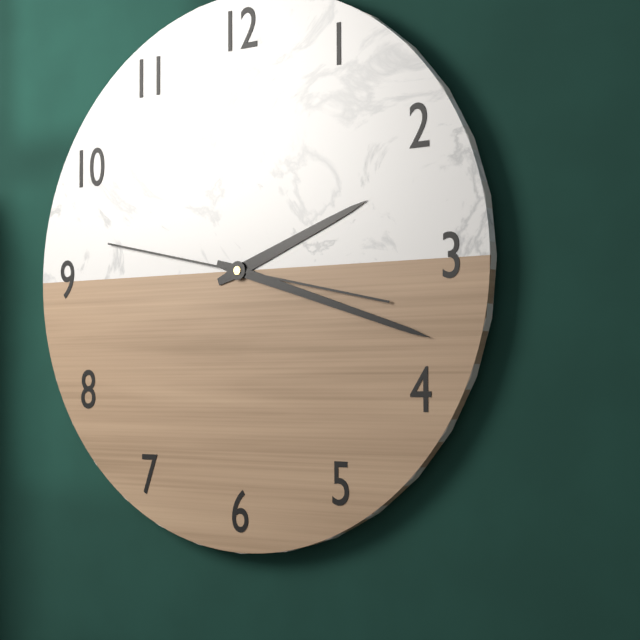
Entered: {"hour": 2, "minute": 18}
